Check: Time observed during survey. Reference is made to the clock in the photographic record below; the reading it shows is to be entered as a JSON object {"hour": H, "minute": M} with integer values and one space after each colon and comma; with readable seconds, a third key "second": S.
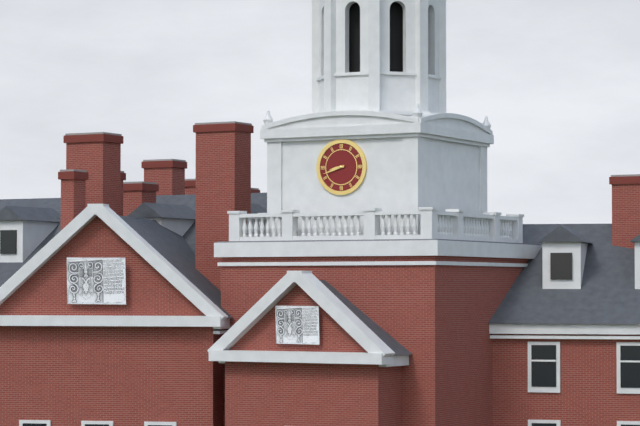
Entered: {"hour": 8, "minute": 42}
